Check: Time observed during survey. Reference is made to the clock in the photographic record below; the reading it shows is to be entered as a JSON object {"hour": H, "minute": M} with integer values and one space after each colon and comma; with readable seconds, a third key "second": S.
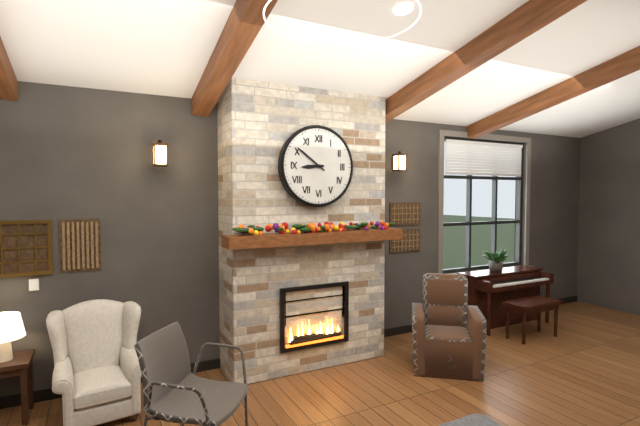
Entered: {"hour": 8, "minute": 51}
